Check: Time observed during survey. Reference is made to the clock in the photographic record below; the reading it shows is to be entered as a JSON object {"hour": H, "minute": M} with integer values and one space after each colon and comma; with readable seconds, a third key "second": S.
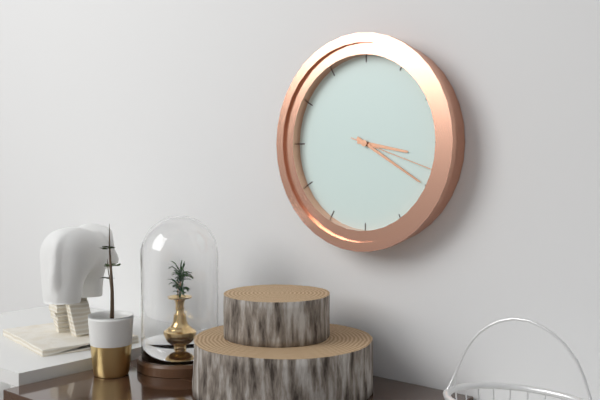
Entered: {"hour": 3, "minute": 20, "second": 18}
